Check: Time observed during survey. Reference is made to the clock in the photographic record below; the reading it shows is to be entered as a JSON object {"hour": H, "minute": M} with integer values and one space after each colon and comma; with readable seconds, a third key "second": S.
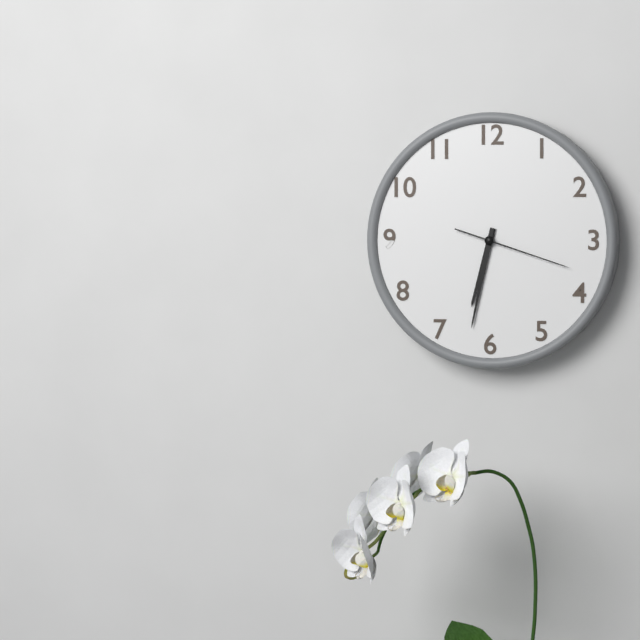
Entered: {"hour": 6, "minute": 32, "second": 18}
